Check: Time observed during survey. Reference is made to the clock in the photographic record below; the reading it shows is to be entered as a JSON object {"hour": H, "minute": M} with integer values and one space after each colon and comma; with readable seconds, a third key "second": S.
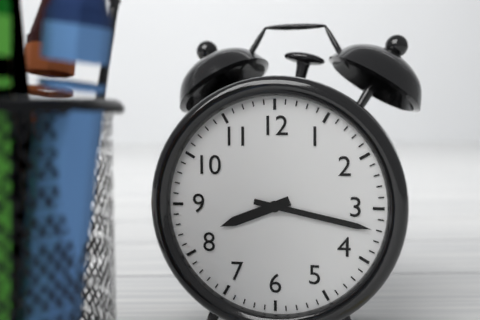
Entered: {"hour": 8, "minute": 17}
